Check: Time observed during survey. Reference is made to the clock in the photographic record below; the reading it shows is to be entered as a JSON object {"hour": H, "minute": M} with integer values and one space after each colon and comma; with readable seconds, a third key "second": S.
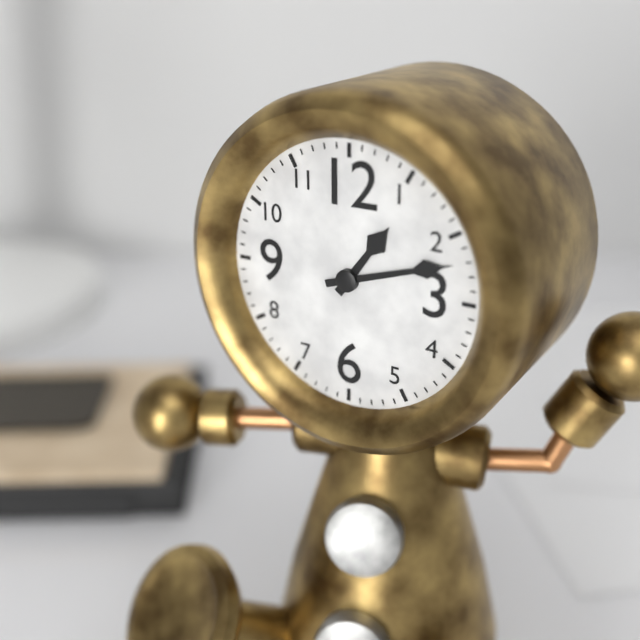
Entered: {"hour": 1, "minute": 12}
